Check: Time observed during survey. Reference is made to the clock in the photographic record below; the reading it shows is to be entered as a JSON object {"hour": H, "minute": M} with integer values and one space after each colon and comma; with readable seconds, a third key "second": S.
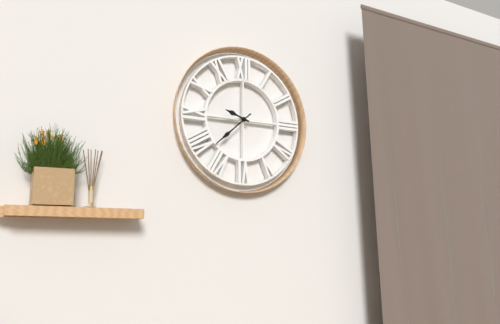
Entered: {"hour": 9, "minute": 38}
